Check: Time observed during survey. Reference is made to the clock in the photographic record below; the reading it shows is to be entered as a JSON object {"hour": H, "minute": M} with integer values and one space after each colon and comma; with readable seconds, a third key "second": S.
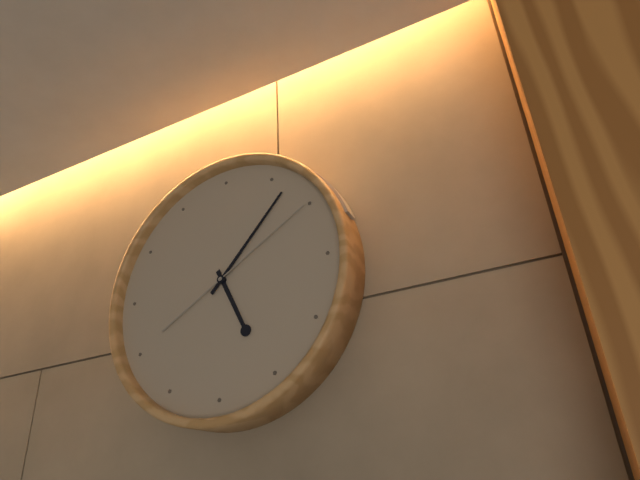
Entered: {"hour": 5, "minute": 7, "second": 10}
